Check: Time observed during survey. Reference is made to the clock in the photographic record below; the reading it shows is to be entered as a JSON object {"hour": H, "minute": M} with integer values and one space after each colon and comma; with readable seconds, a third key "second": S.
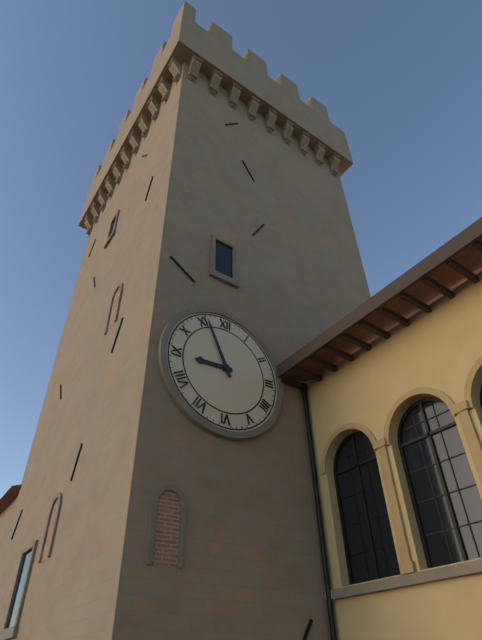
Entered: {"hour": 8, "minute": 56}
